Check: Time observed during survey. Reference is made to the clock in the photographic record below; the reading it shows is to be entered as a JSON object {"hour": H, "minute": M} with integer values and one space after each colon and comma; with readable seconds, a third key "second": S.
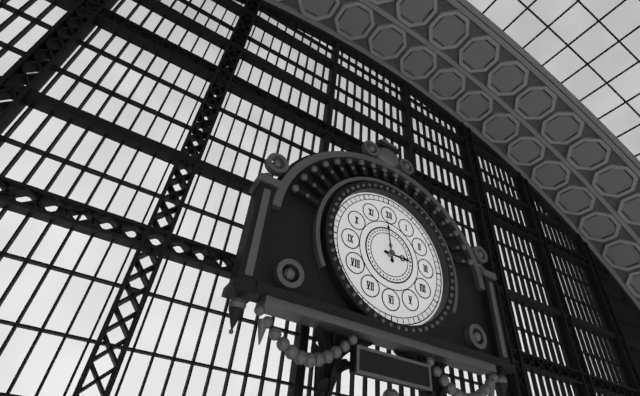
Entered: {"hour": 2, "minute": 59}
